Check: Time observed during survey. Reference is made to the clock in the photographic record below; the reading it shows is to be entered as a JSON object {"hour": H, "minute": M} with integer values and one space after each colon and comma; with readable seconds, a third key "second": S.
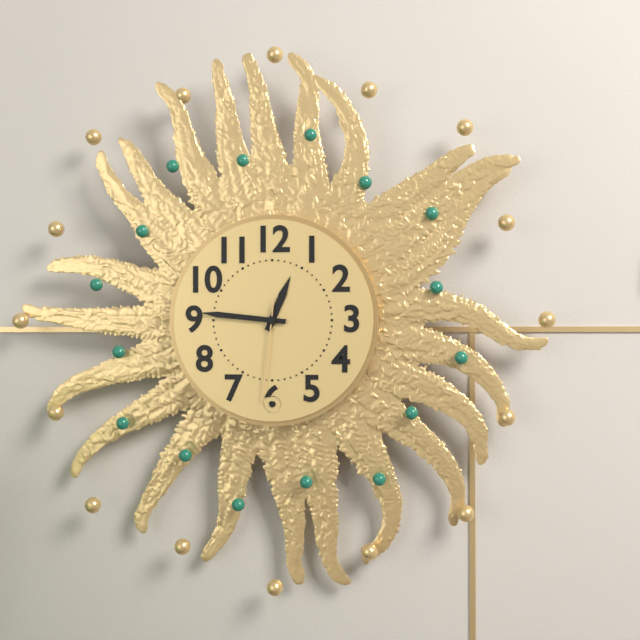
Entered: {"hour": 12, "minute": 46, "second": 31}
